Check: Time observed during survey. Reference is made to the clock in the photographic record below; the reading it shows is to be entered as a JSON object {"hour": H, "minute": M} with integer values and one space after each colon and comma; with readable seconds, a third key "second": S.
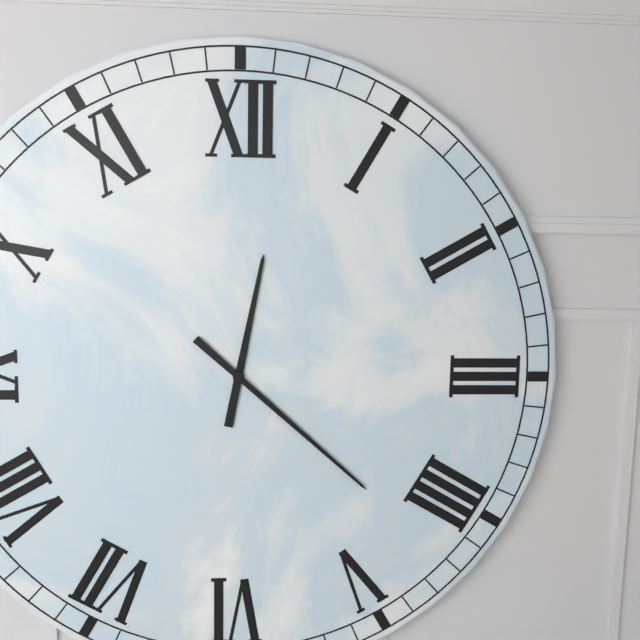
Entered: {"hour": 12, "minute": 22}
